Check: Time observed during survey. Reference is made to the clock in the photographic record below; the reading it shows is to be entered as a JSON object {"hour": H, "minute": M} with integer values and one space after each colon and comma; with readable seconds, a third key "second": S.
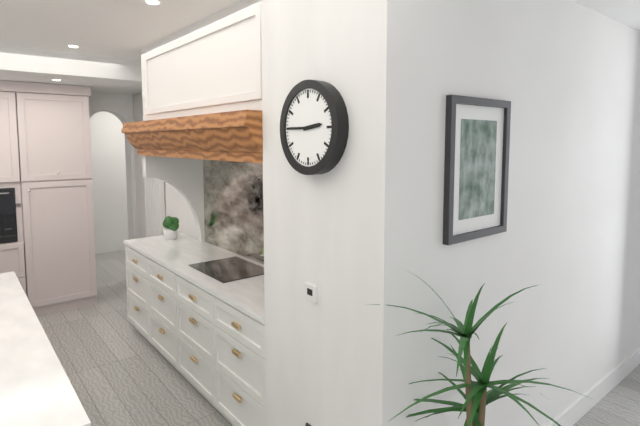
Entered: {"hour": 2, "minute": 45}
